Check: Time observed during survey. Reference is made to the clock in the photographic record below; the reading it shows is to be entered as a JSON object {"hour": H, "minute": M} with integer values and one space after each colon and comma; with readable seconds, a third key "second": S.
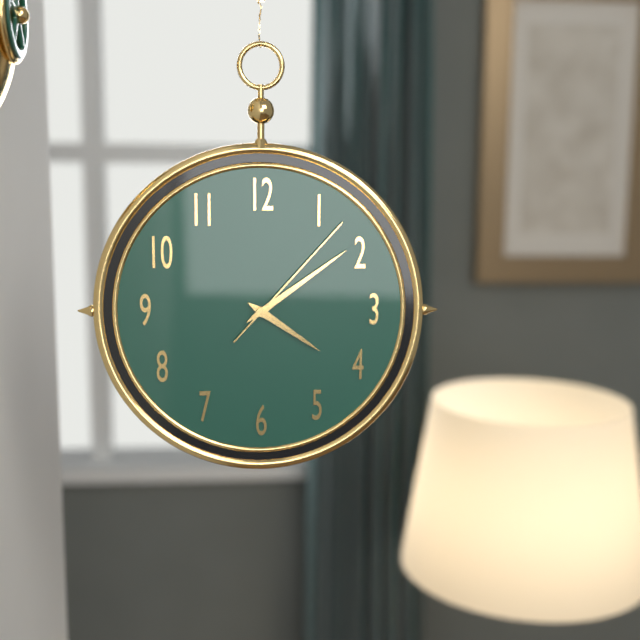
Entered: {"hour": 4, "minute": 9, "second": 7}
